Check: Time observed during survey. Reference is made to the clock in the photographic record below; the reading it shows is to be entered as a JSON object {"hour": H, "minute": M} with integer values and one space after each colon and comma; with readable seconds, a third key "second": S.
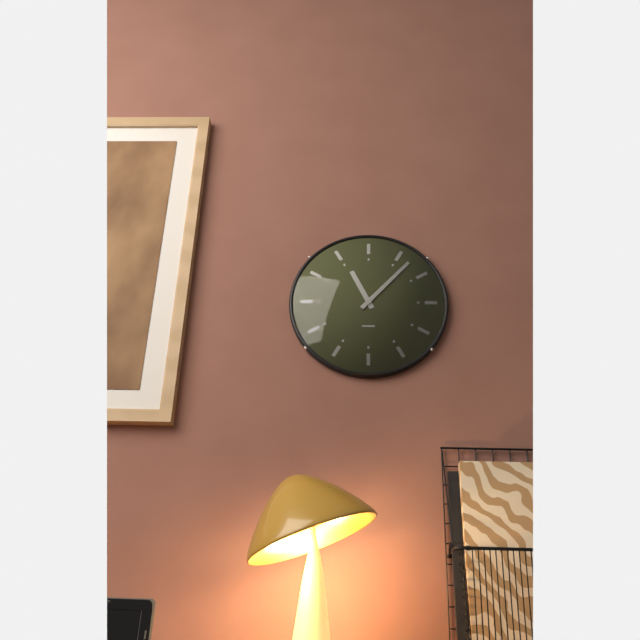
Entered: {"hour": 11, "minute": 7}
